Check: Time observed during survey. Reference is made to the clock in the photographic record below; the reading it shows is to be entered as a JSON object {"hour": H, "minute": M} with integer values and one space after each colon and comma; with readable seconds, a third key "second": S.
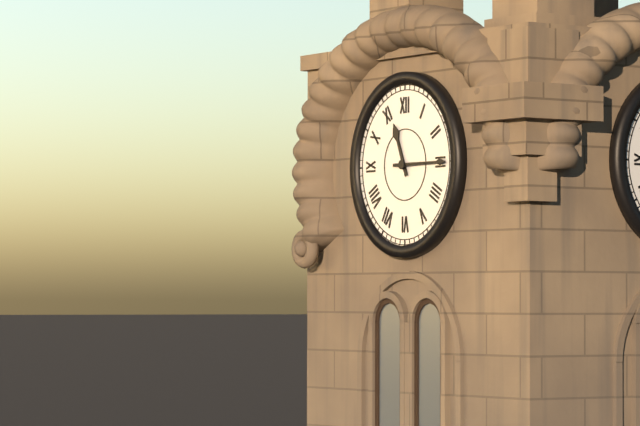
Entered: {"hour": 11, "minute": 15}
